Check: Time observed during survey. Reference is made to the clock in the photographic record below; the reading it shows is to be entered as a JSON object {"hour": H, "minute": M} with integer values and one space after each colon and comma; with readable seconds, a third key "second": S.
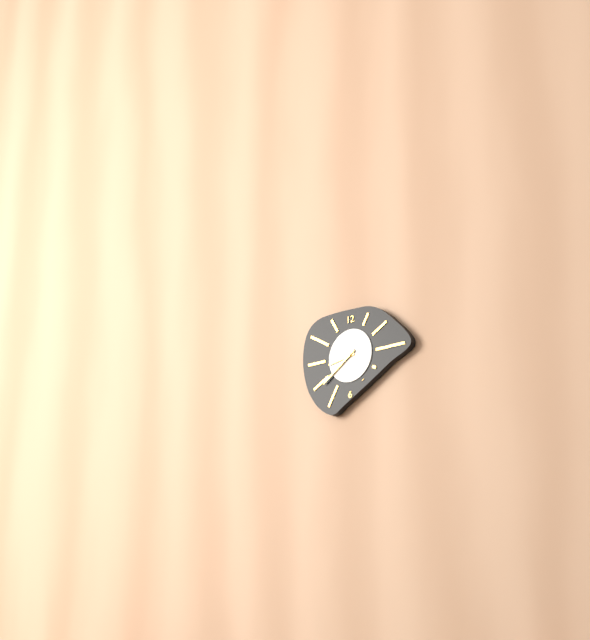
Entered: {"hour": 8, "minute": 39}
